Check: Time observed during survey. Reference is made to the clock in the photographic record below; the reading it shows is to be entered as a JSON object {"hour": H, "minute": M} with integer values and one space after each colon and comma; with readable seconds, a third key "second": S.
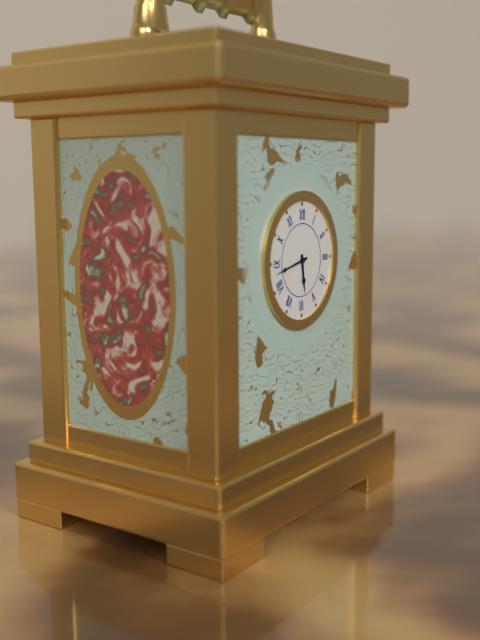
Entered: {"hour": 5, "minute": 43}
